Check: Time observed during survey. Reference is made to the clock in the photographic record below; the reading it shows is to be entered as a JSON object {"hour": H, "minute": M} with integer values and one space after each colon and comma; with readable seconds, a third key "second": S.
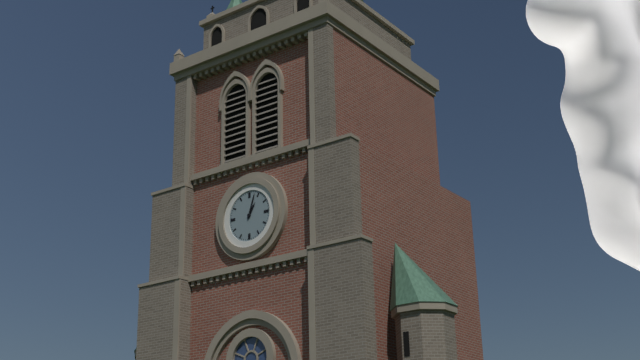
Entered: {"hour": 1, "minute": 3}
